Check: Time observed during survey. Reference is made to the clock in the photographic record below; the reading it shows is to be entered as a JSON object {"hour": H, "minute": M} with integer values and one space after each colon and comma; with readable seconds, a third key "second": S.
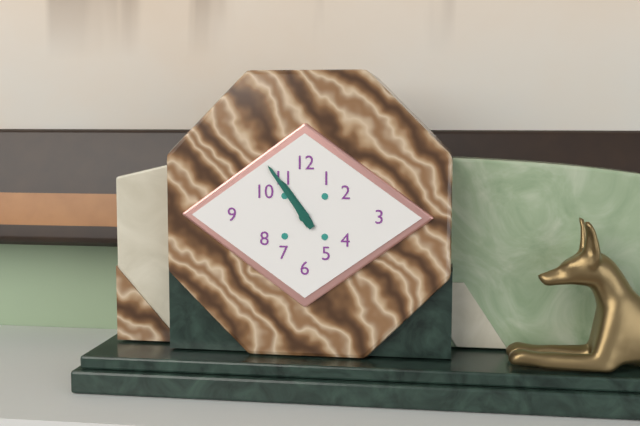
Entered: {"hour": 10, "minute": 54}
